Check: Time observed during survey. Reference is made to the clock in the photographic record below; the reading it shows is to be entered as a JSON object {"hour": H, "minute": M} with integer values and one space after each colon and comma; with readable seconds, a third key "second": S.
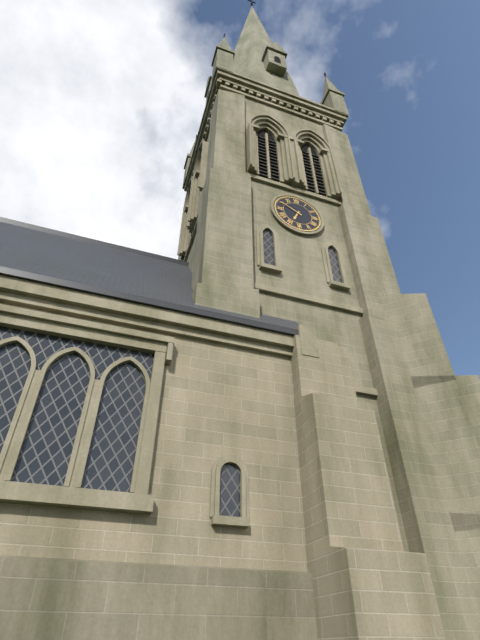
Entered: {"hour": 6, "minute": 50}
